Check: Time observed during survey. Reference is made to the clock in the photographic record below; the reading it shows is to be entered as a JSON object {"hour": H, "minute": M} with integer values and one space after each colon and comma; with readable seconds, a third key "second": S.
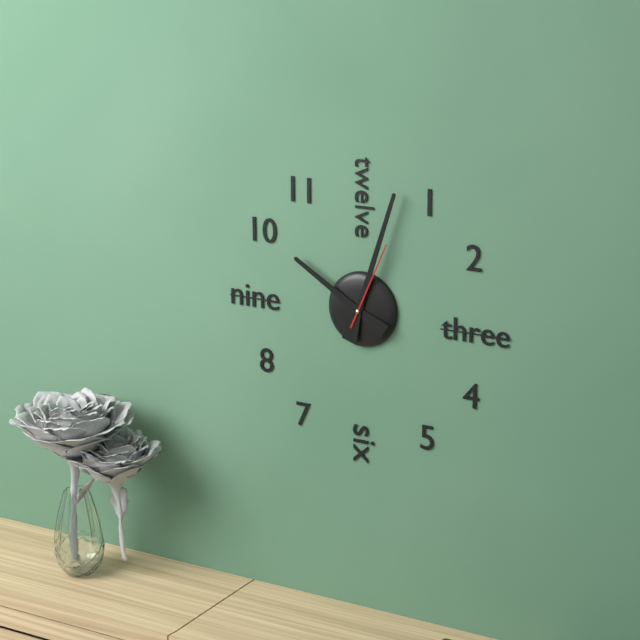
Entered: {"hour": 10, "minute": 3, "second": 4}
